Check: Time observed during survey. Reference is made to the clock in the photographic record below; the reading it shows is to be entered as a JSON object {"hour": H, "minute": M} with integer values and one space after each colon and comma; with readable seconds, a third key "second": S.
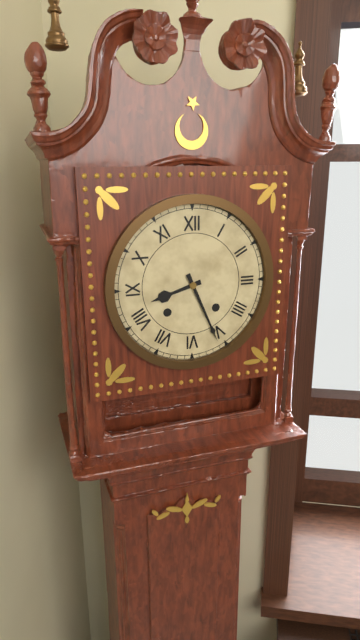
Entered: {"hour": 8, "minute": 26}
